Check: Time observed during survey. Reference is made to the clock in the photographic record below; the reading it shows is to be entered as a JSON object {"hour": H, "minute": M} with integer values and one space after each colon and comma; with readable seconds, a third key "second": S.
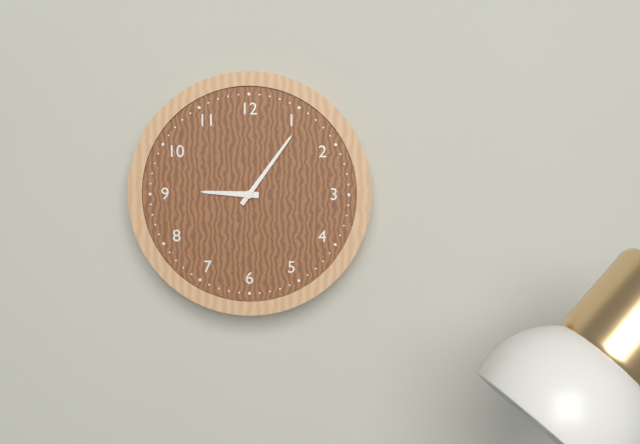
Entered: {"hour": 9, "minute": 6}
